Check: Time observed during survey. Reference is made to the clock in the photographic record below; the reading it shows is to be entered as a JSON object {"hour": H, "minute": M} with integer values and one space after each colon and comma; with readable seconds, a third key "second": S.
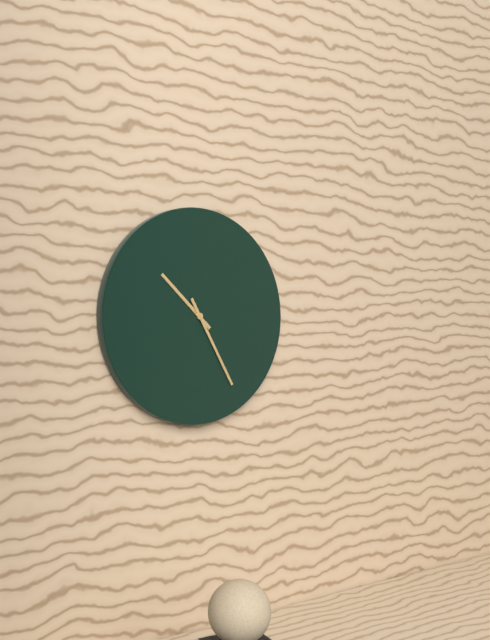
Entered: {"hour": 10, "minute": 25}
